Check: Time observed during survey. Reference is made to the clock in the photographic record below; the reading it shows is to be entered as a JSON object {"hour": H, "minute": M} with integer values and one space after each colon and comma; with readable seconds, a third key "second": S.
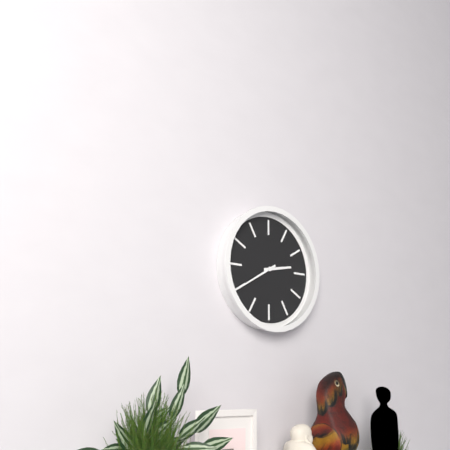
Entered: {"hour": 2, "minute": 40}
